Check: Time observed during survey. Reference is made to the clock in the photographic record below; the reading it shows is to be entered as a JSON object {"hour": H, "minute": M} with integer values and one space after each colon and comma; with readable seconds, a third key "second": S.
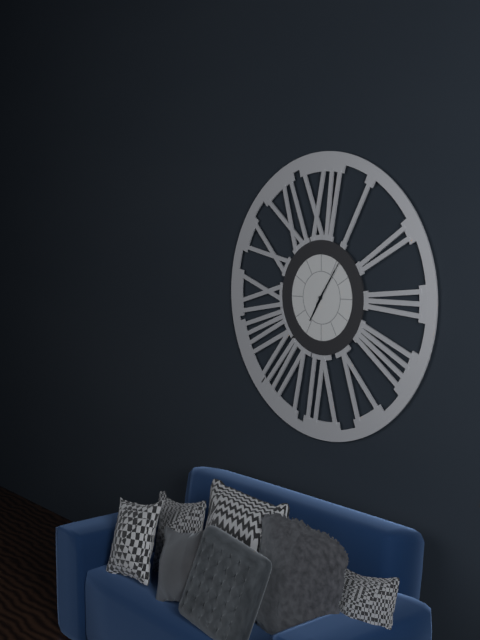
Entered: {"hour": 7, "minute": 6}
